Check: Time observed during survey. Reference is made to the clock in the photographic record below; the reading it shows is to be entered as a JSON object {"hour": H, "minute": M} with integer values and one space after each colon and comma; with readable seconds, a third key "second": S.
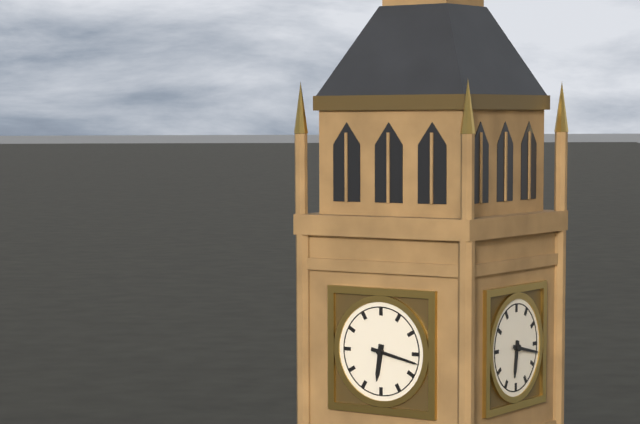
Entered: {"hour": 6, "minute": 17}
